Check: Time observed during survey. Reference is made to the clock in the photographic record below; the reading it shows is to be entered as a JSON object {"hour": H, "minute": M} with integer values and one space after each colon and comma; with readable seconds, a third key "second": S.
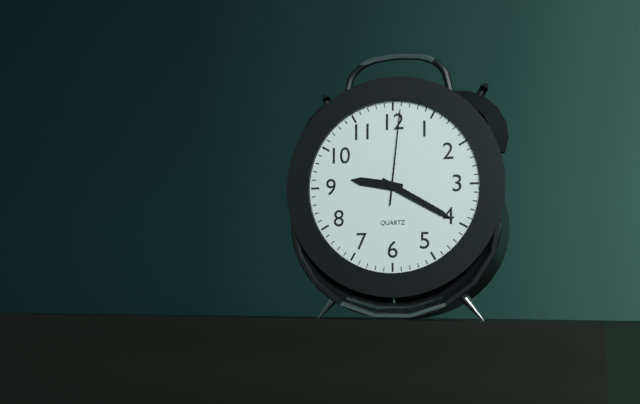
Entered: {"hour": 9, "minute": 20, "second": 1}
